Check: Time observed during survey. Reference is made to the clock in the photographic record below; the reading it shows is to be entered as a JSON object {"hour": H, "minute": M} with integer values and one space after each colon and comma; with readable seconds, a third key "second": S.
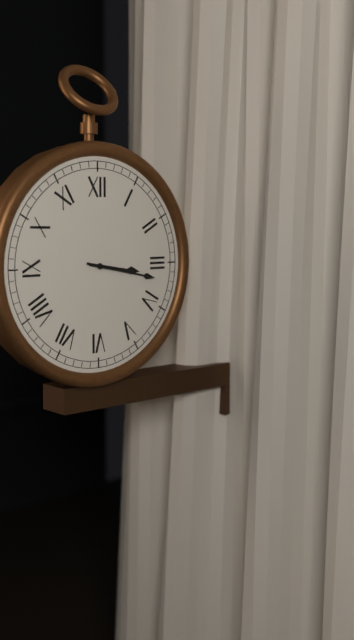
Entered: {"hour": 3, "minute": 17}
